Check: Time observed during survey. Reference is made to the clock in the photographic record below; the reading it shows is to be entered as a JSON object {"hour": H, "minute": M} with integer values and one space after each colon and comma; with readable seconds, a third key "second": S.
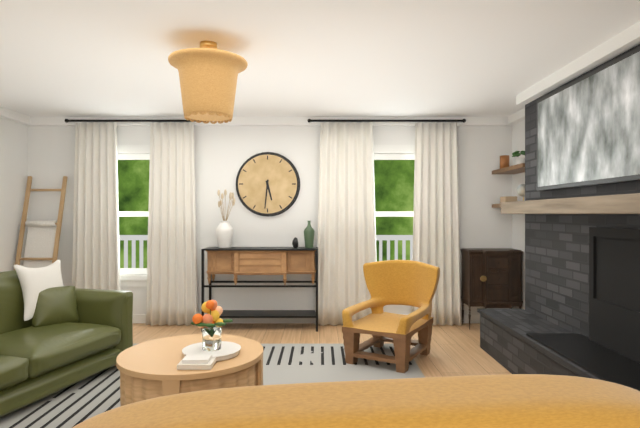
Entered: {"hour": 5, "minute": 31}
